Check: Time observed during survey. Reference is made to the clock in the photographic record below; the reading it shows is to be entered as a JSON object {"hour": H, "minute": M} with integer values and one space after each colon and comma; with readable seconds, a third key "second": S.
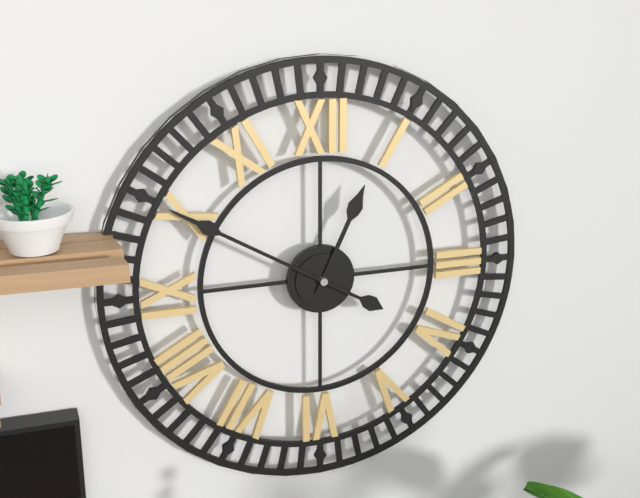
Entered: {"hour": 12, "minute": 50}
